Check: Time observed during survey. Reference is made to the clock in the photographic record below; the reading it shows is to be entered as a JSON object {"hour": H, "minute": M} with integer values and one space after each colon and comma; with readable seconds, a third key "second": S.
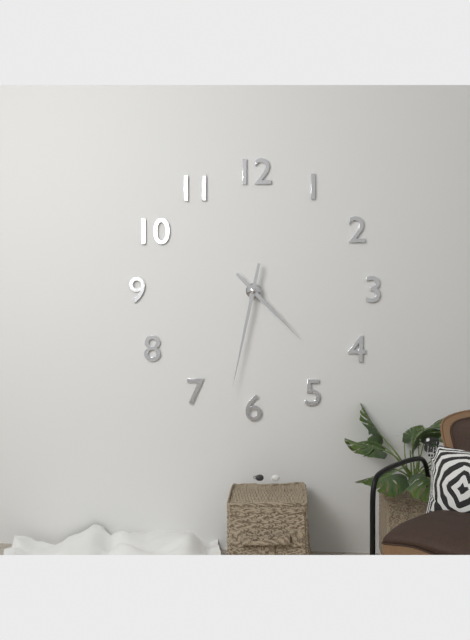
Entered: {"hour": 4, "minute": 32}
